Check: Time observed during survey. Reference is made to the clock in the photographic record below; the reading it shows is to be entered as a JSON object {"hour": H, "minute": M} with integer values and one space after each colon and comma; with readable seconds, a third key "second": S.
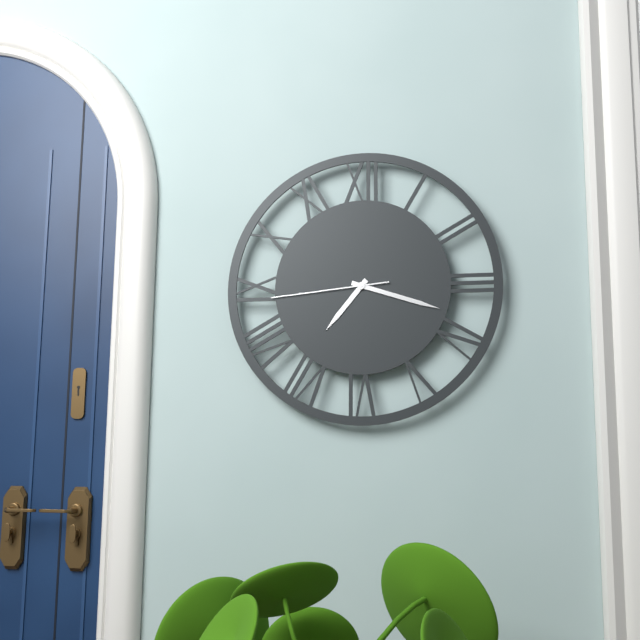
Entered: {"hour": 7, "minute": 18, "second": 44}
